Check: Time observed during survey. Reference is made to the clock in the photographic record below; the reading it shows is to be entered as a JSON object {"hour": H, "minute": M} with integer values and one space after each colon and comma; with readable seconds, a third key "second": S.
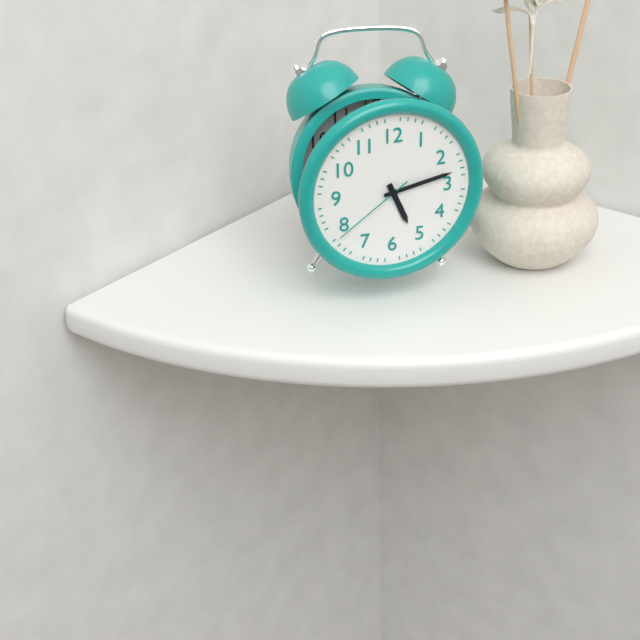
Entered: {"hour": 5, "minute": 13, "second": 39}
